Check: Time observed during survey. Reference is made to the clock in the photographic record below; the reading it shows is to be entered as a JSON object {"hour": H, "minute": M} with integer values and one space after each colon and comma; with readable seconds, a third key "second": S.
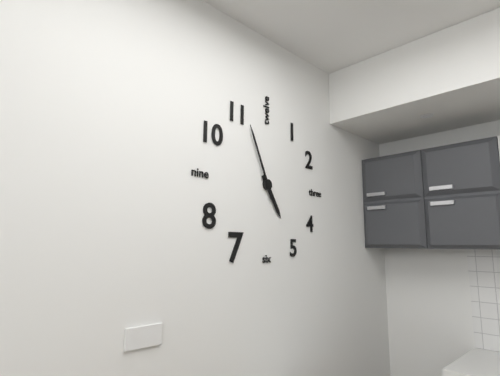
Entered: {"hour": 4, "minute": 56}
